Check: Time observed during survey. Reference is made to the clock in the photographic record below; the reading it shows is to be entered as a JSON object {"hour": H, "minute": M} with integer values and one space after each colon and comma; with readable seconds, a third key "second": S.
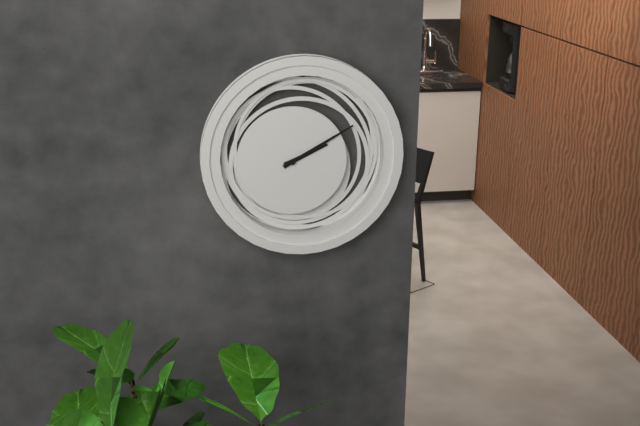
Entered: {"hour": 2, "minute": 10}
